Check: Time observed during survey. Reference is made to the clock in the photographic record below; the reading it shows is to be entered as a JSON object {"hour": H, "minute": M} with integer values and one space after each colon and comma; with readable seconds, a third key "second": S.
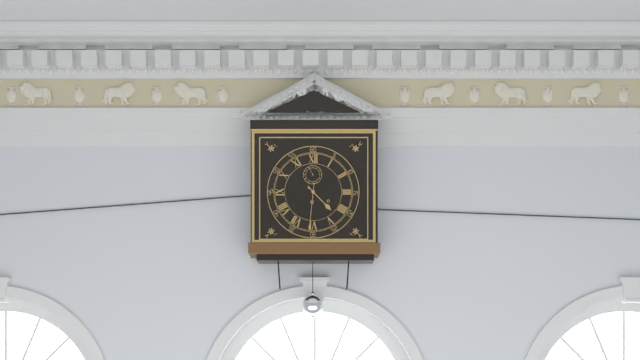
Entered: {"hour": 4, "minute": 31}
